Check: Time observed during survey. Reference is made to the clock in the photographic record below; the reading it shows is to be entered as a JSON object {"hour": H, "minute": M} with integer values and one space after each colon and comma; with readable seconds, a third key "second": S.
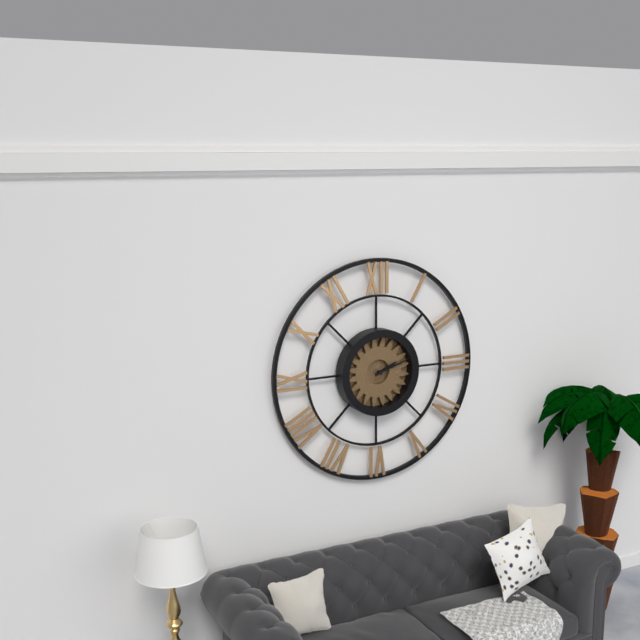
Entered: {"hour": 2, "minute": 12}
